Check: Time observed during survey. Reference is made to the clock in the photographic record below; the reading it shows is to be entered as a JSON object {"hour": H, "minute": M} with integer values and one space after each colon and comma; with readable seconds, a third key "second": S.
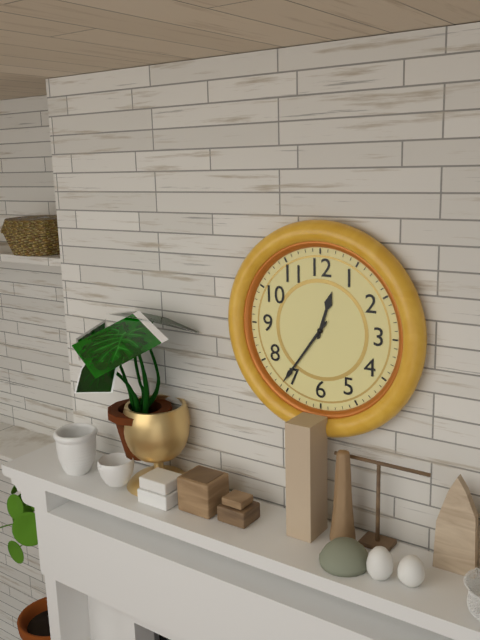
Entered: {"hour": 12, "minute": 36}
